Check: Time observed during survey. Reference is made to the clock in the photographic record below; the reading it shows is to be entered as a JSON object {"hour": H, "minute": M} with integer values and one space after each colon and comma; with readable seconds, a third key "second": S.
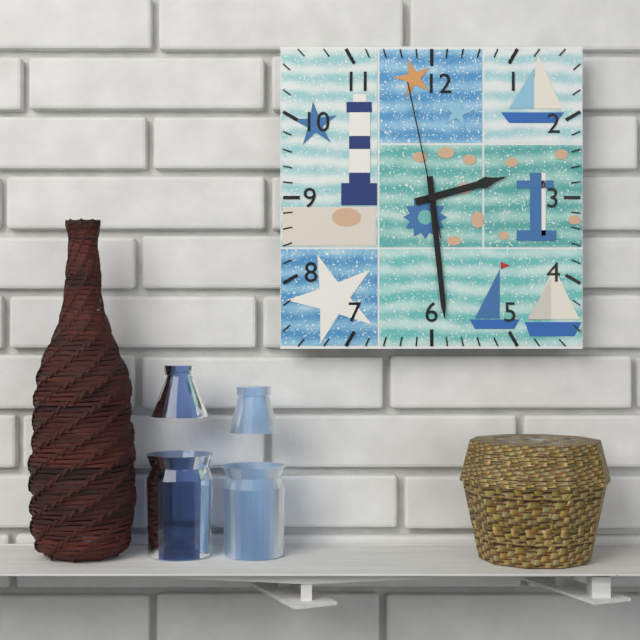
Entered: {"hour": 2, "minute": 29, "second": 58}
